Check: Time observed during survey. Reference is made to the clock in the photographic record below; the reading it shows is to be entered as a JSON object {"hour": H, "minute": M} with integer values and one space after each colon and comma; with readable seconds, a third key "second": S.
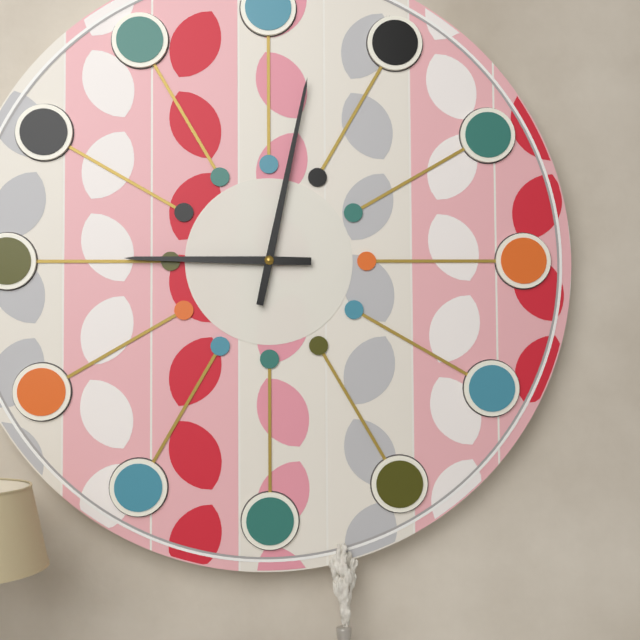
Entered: {"hour": 9, "minute": 2}
